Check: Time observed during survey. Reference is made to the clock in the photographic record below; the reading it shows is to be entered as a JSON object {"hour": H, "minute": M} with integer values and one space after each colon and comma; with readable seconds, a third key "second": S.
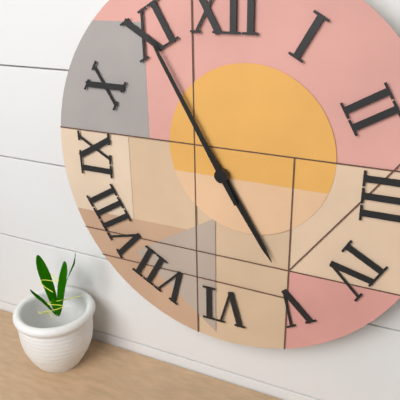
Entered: {"hour": 4, "minute": 55}
